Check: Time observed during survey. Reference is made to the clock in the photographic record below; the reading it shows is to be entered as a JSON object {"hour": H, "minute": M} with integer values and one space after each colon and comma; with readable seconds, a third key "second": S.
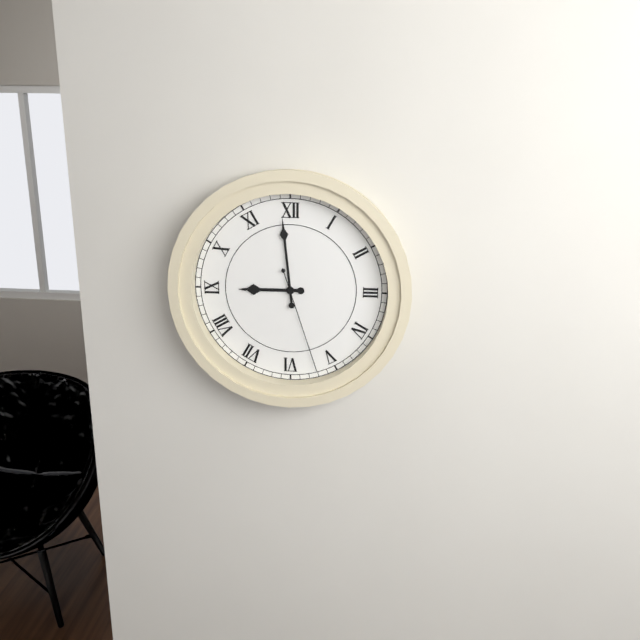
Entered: {"hour": 8, "minute": 59, "second": 27}
